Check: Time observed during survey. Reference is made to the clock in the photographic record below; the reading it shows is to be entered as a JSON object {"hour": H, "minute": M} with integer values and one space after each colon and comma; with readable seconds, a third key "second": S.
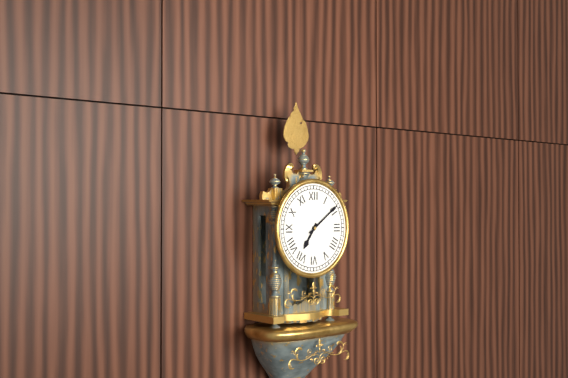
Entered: {"hour": 7, "minute": 9}
